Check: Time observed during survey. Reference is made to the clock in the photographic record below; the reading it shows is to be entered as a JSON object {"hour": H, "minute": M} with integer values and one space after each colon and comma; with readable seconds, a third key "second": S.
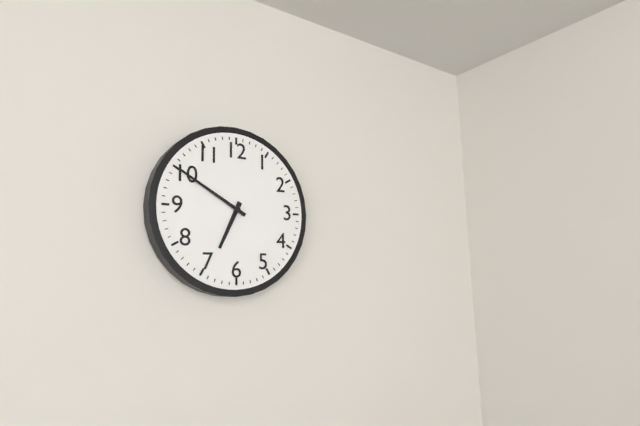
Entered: {"hour": 6, "minute": 50}
